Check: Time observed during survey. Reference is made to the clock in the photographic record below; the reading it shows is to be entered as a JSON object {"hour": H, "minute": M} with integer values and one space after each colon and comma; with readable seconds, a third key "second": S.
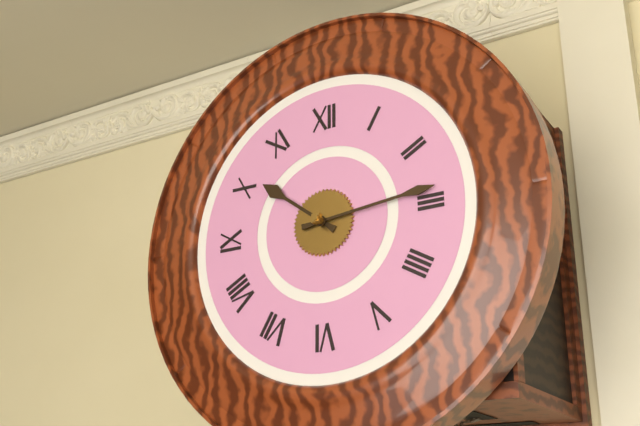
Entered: {"hour": 10, "minute": 14}
